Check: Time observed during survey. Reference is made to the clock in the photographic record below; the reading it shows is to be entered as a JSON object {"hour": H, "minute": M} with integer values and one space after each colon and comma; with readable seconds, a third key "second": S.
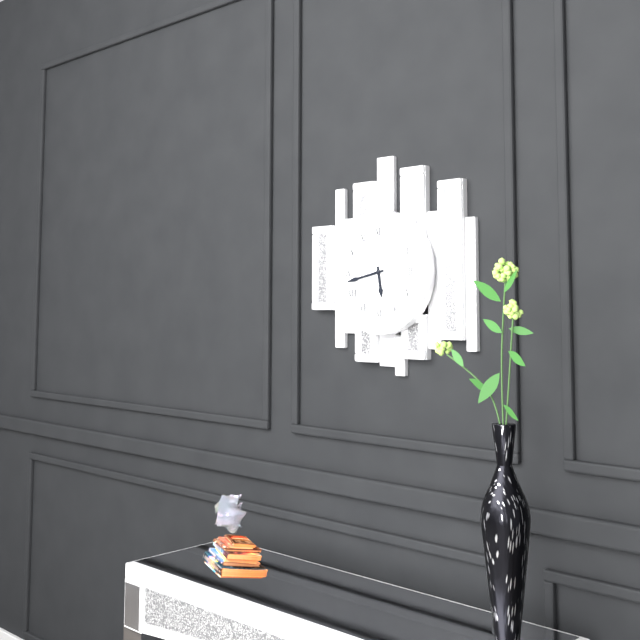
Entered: {"hour": 5, "minute": 43}
